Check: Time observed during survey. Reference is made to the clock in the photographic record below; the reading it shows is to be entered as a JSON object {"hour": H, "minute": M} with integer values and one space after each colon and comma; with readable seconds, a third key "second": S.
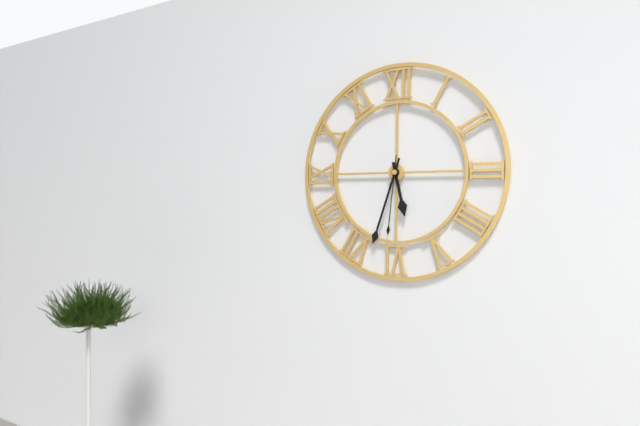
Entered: {"hour": 5, "minute": 33, "second": 31}
